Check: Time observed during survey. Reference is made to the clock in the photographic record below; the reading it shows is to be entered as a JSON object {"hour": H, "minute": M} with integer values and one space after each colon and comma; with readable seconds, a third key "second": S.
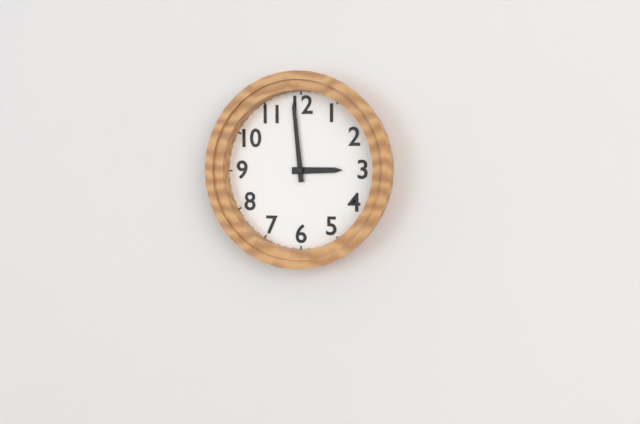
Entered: {"hour": 2, "minute": 59}
